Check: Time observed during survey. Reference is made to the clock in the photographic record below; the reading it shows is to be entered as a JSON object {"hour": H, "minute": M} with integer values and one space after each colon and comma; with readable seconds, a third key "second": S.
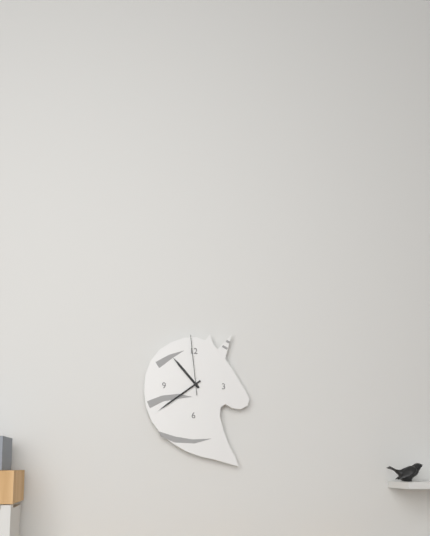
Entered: {"hour": 10, "minute": 39, "second": 59}
